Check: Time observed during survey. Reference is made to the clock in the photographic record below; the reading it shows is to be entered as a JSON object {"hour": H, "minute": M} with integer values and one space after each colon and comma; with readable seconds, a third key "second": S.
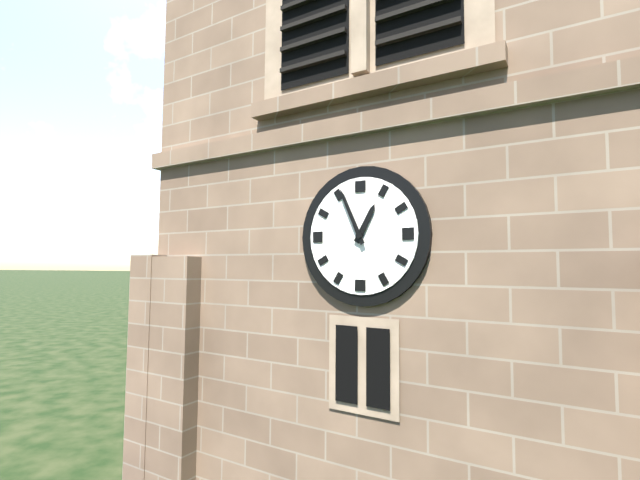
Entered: {"hour": 12, "minute": 56}
